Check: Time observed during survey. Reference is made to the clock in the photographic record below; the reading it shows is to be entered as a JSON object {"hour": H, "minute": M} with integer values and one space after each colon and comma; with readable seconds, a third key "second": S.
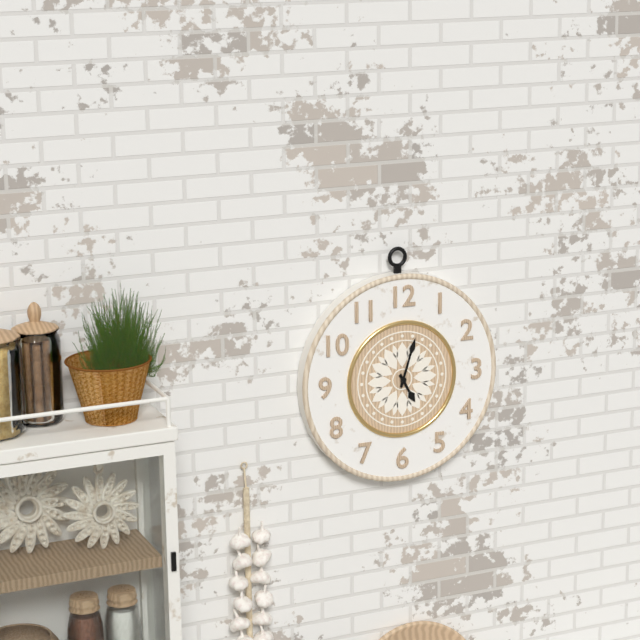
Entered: {"hour": 5, "minute": 3}
